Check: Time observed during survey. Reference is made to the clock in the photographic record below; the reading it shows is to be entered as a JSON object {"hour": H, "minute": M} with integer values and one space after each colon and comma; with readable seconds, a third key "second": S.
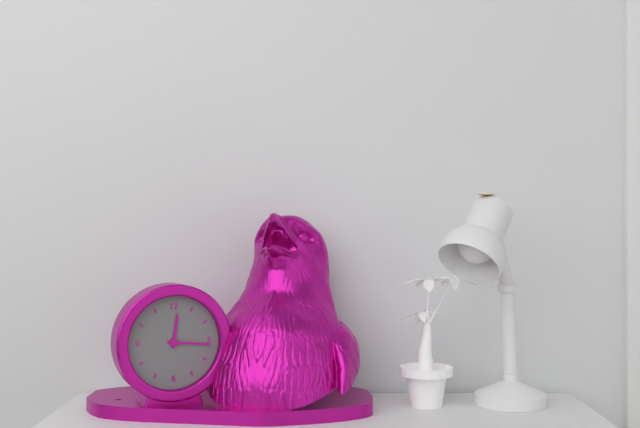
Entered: {"hour": 12, "minute": 16}
